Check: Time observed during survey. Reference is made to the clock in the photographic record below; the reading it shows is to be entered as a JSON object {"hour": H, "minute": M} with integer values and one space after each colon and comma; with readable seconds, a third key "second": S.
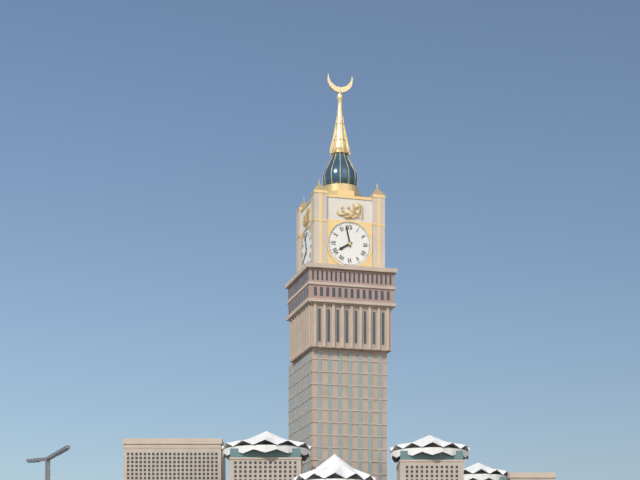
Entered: {"hour": 7, "minute": 58}
